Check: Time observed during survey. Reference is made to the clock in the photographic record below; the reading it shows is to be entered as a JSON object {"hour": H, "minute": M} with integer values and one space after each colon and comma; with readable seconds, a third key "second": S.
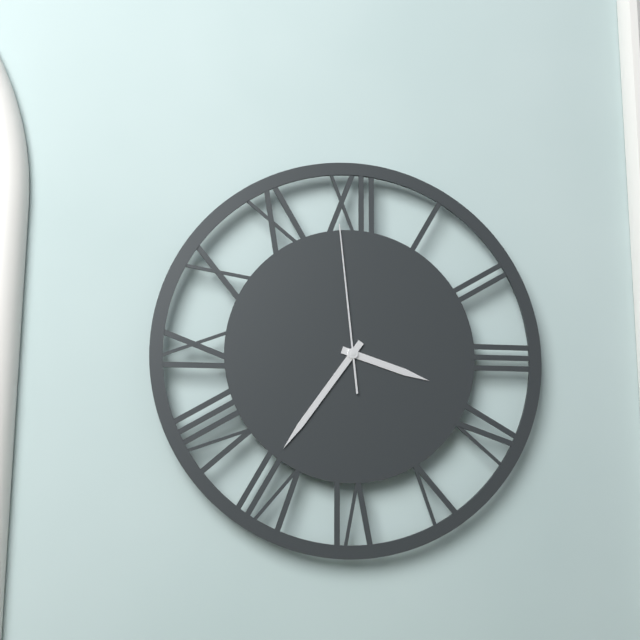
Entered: {"hour": 3, "minute": 36, "second": 59}
